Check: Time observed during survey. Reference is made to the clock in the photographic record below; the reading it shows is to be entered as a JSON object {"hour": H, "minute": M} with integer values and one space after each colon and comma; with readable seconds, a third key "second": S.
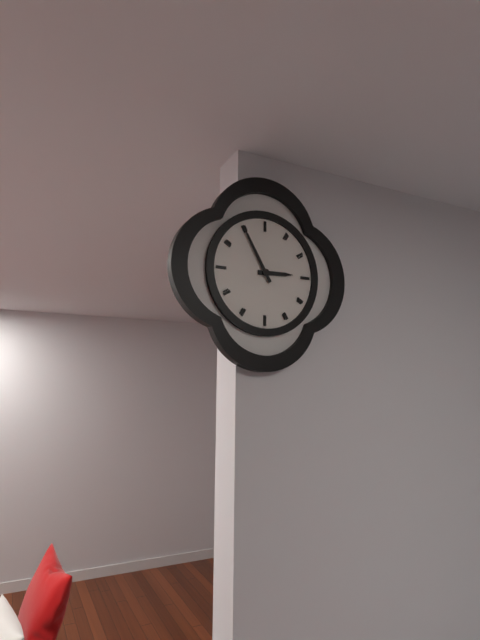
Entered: {"hour": 2, "minute": 55}
